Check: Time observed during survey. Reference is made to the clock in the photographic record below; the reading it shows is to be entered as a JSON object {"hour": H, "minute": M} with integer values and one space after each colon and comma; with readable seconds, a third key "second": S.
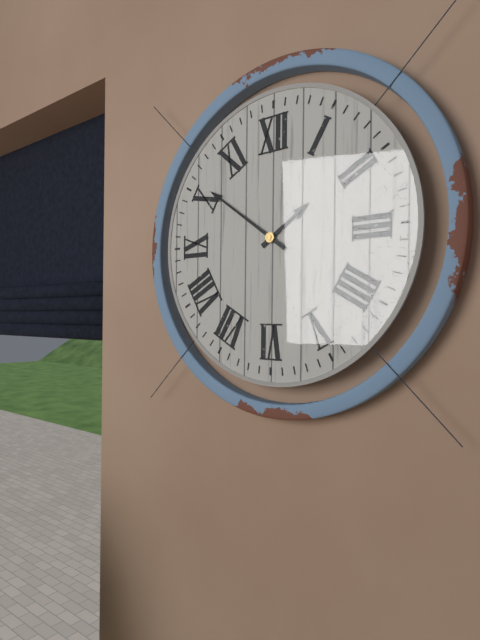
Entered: {"hour": 1, "minute": 51}
